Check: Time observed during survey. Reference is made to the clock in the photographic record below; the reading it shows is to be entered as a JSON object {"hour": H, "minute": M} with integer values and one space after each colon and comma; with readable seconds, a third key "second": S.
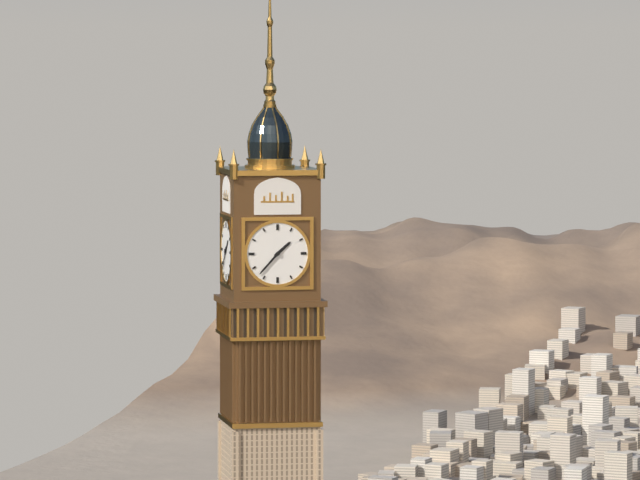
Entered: {"hour": 1, "minute": 37}
